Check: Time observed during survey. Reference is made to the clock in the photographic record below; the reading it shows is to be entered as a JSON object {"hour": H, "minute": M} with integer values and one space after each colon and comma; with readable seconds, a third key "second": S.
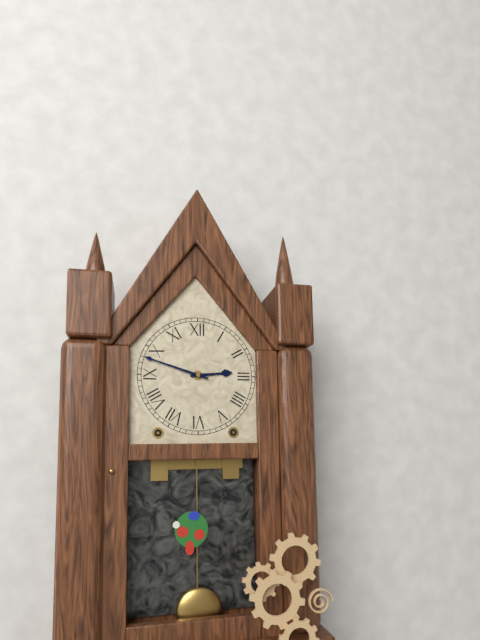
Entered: {"hour": 2, "minute": 48}
